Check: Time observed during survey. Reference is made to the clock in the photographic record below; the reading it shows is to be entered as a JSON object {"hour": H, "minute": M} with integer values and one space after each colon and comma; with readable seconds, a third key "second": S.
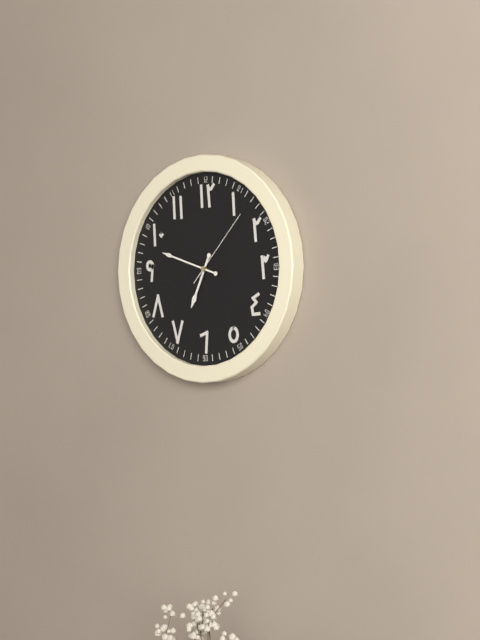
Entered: {"hour": 6, "minute": 48, "second": 7}
